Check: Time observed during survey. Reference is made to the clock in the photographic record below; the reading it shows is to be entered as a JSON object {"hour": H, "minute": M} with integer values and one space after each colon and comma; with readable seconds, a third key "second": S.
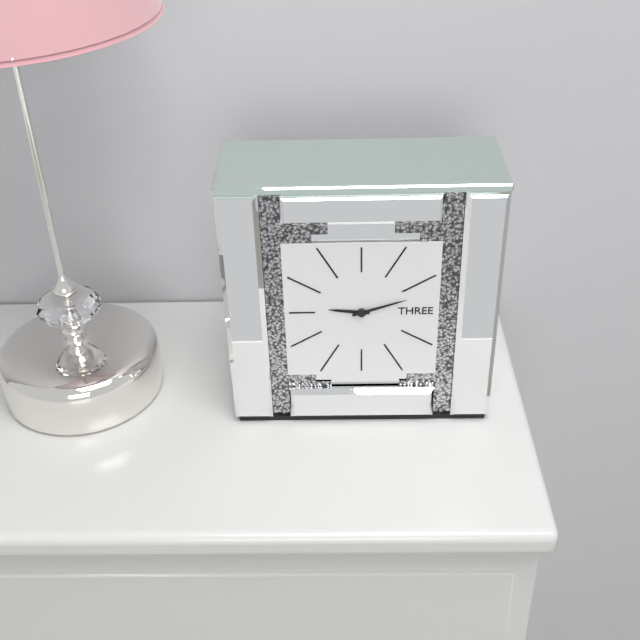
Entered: {"hour": 9, "minute": 12}
